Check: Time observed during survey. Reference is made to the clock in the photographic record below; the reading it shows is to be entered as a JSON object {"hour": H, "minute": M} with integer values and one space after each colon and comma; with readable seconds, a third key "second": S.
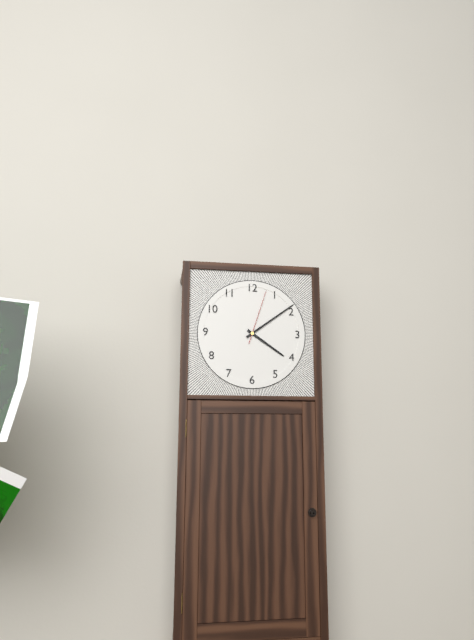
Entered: {"hour": 4, "minute": 9, "second": 3}
